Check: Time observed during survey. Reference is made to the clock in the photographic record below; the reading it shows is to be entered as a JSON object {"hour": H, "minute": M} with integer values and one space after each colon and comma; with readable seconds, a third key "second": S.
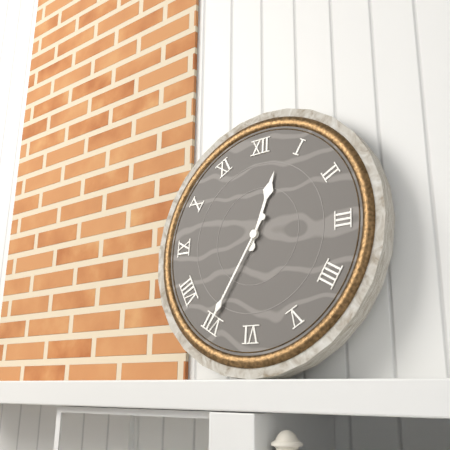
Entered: {"hour": 12, "minute": 35}
